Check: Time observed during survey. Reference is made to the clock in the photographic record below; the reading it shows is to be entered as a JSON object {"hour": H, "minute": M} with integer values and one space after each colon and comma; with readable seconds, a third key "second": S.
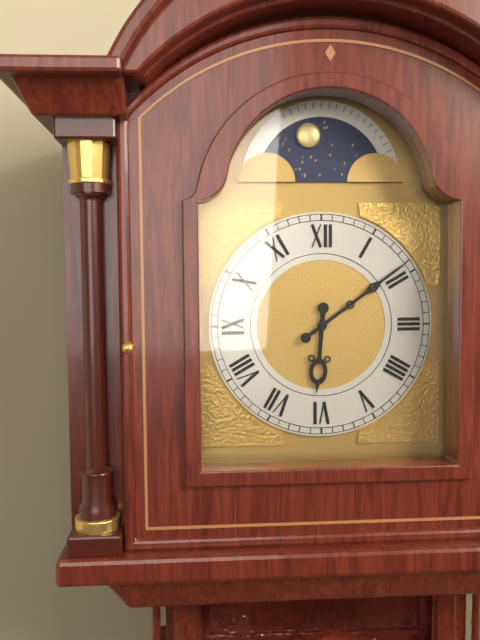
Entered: {"hour": 6, "minute": 9}
